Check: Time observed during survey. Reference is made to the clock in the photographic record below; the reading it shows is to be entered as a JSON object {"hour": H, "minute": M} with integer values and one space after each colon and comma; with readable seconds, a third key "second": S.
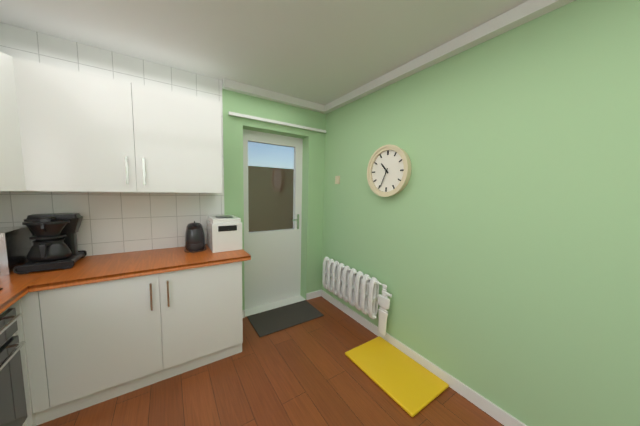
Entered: {"hour": 10, "minute": 34}
